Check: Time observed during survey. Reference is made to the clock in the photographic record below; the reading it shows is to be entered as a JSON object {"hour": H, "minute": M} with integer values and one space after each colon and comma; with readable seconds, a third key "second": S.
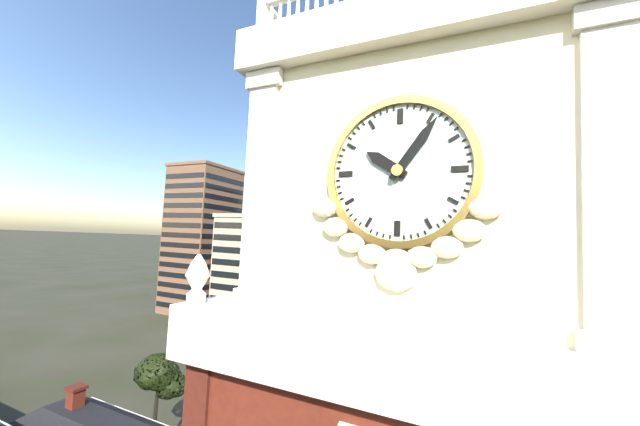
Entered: {"hour": 10, "minute": 6}
